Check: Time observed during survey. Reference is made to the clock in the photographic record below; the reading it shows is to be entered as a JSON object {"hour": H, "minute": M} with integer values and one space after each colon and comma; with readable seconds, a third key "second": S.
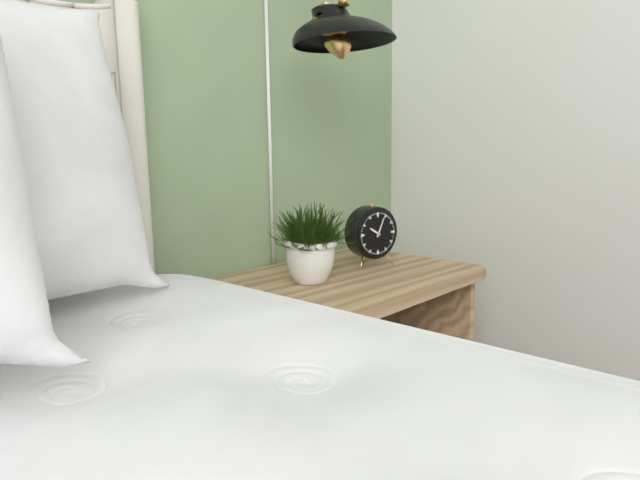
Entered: {"hour": 10, "minute": 4}
